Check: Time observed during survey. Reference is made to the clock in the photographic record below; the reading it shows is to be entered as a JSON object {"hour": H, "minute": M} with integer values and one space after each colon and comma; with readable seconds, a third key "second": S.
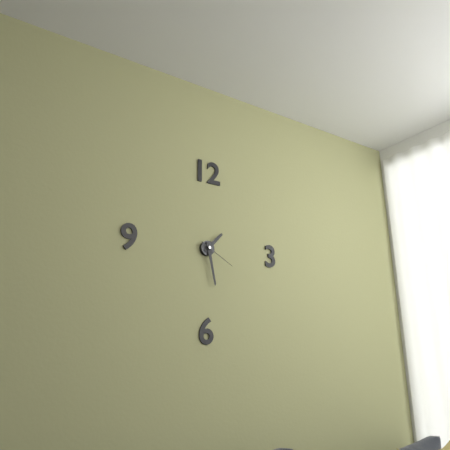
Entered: {"hour": 1, "minute": 28}
